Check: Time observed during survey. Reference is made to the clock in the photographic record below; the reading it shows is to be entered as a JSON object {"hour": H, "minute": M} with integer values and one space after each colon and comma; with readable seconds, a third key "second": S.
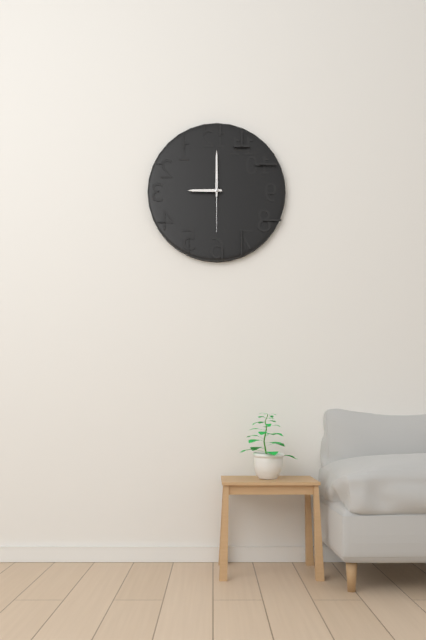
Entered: {"hour": 9, "minute": 0}
